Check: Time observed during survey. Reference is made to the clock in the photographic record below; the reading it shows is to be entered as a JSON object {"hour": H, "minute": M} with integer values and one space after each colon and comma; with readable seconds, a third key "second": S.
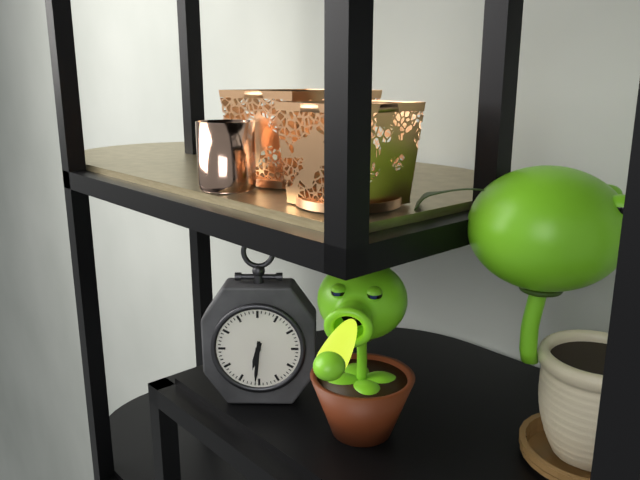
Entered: {"hour": 6, "minute": 31}
